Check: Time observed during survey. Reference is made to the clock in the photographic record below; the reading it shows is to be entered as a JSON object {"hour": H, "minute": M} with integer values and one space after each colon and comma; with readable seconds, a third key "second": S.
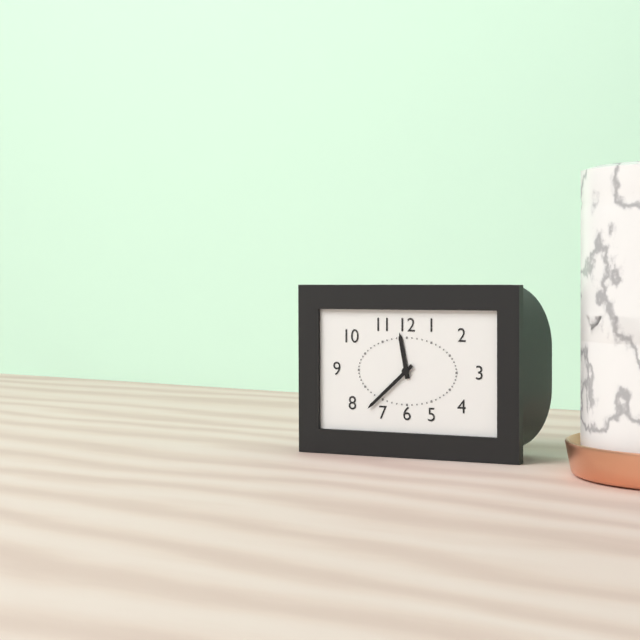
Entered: {"hour": 11, "minute": 38}
